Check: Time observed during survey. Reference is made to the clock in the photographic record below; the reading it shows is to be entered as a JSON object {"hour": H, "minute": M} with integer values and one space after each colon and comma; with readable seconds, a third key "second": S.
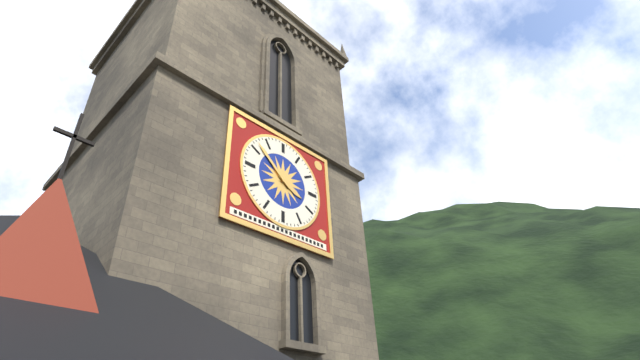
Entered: {"hour": 3, "minute": 52}
